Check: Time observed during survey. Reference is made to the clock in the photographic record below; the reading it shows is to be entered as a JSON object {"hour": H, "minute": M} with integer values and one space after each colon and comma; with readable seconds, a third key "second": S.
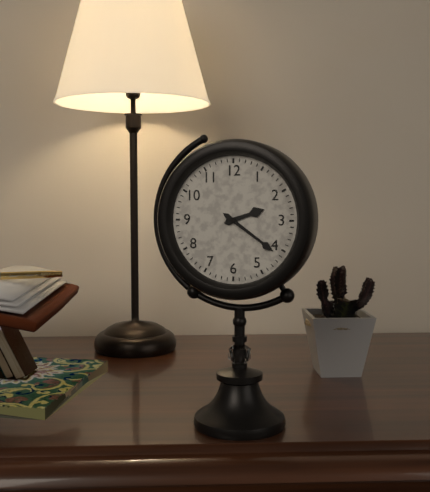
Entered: {"hour": 2, "minute": 21}
